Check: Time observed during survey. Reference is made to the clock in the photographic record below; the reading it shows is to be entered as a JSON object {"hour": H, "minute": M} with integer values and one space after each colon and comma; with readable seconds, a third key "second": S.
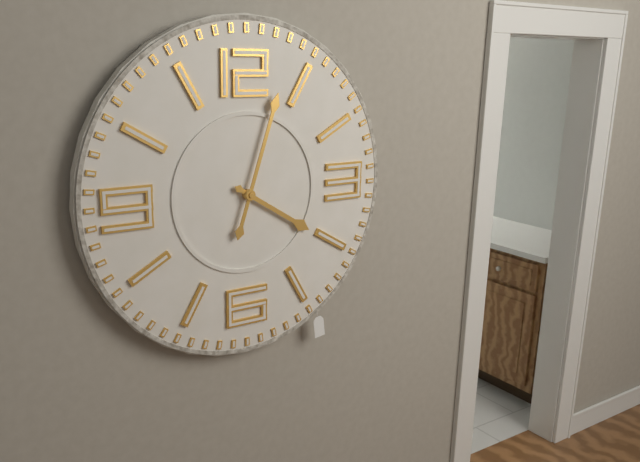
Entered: {"hour": 4, "minute": 3}
